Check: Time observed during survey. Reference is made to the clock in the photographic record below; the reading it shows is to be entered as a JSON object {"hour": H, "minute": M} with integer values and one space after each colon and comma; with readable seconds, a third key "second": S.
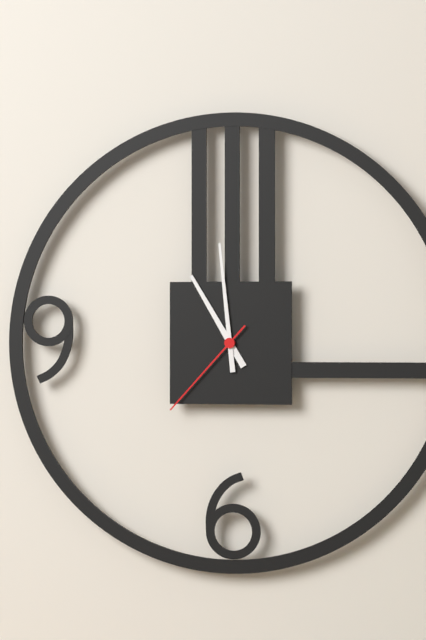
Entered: {"hour": 10, "minute": 59, "second": 37}
